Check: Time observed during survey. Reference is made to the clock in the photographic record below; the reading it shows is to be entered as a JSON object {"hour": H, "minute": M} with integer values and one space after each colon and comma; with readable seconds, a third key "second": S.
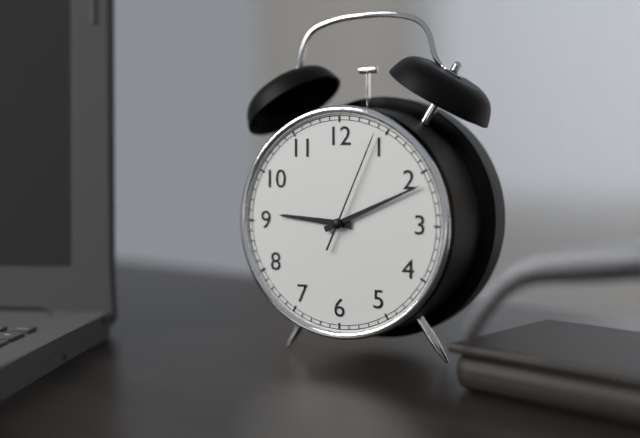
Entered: {"hour": 9, "minute": 11, "second": 4}
